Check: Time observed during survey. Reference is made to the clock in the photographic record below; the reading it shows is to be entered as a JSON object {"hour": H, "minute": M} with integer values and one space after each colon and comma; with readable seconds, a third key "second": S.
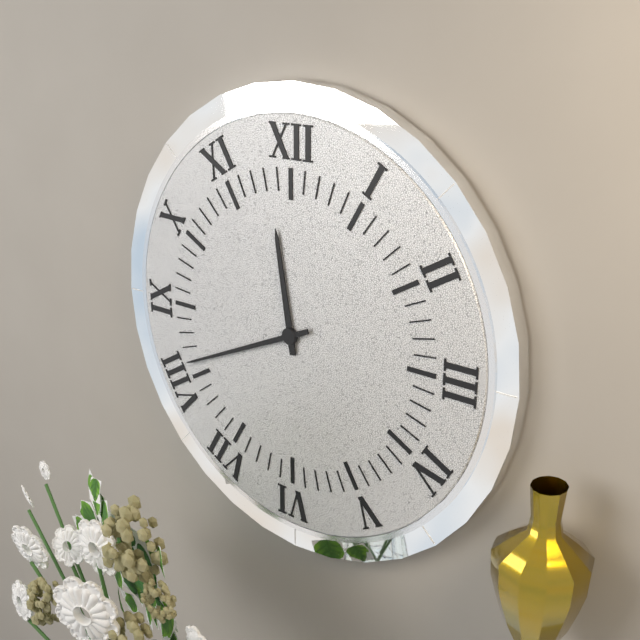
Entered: {"hour": 11, "minute": 41}
